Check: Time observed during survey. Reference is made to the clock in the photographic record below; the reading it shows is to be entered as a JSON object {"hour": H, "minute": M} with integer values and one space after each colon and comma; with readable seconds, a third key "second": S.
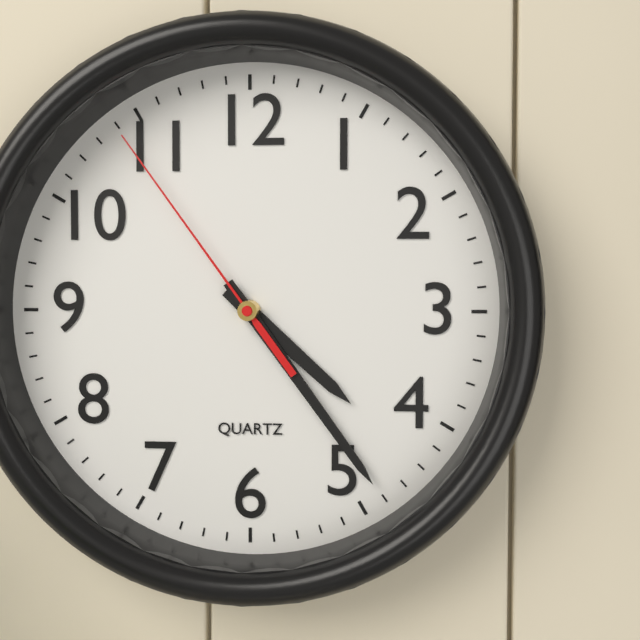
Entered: {"hour": 4, "minute": 24, "second": 54}
